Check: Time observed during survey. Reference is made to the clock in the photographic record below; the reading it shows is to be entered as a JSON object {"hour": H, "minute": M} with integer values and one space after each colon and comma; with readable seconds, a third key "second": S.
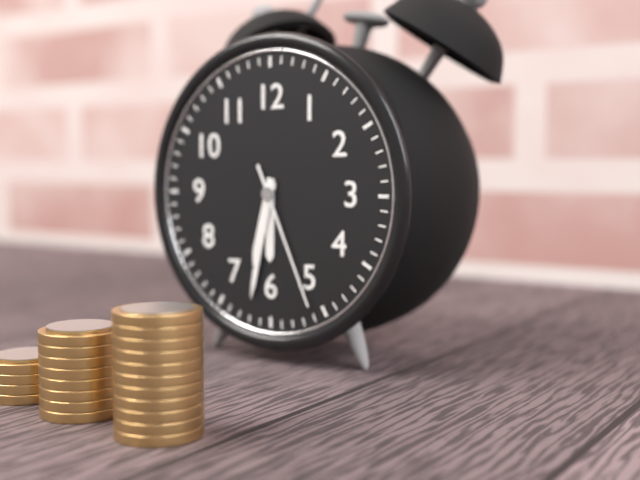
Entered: {"hour": 6, "minute": 32, "second": 26}
